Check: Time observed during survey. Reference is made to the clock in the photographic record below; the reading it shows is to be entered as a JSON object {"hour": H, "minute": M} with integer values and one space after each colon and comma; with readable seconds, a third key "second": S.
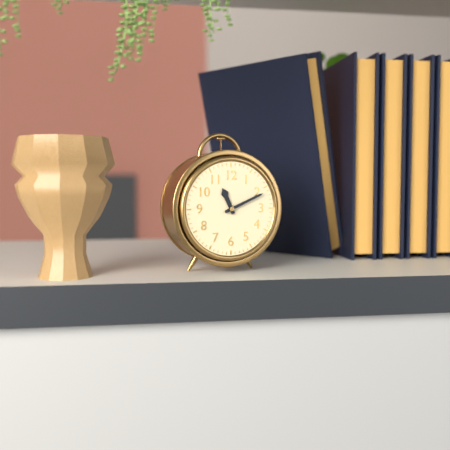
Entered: {"hour": 11, "minute": 11}
